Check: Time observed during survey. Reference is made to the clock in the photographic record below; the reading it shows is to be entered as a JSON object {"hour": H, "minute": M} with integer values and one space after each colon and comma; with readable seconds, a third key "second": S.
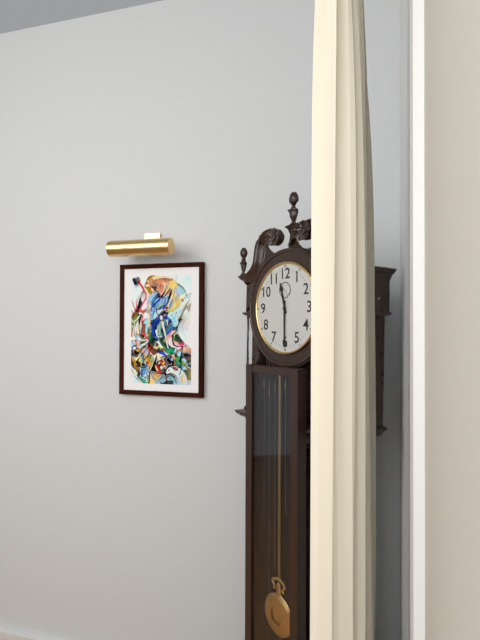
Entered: {"hour": 11, "minute": 30}
